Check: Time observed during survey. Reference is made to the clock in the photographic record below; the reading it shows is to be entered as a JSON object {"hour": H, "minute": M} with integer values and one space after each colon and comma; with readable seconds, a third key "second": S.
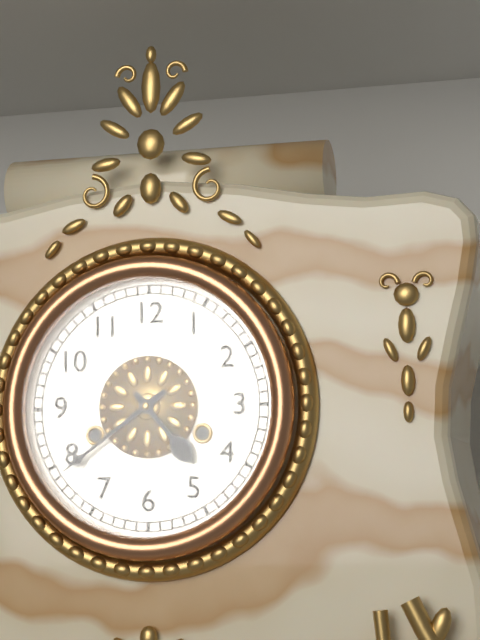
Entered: {"hour": 4, "minute": 39}
